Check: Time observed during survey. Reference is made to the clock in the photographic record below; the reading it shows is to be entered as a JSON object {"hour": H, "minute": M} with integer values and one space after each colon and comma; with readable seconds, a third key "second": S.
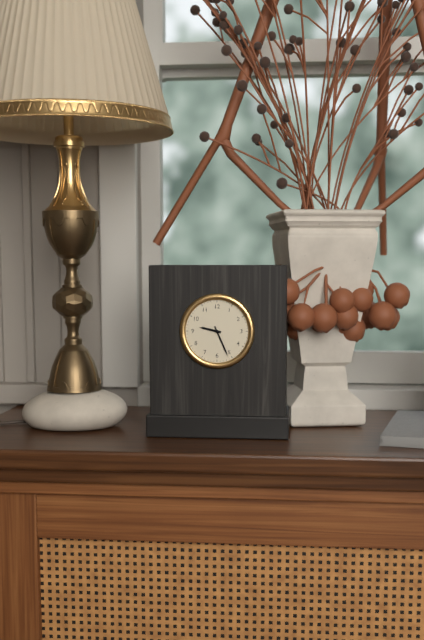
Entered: {"hour": 9, "minute": 26}
